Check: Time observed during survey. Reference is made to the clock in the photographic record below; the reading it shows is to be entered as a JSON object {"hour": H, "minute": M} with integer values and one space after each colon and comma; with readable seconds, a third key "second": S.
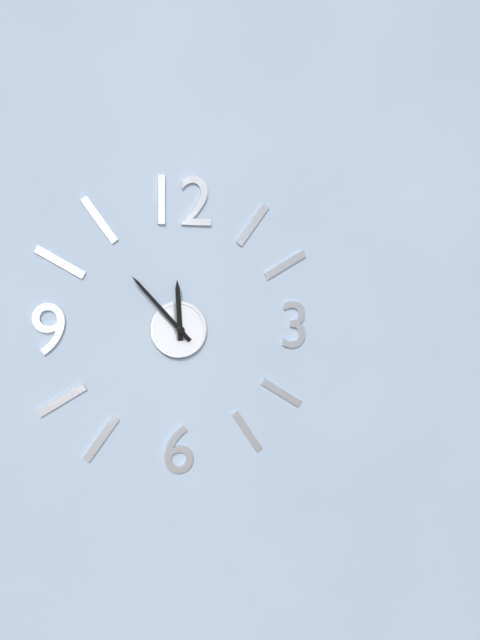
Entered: {"hour": 11, "minute": 53}
